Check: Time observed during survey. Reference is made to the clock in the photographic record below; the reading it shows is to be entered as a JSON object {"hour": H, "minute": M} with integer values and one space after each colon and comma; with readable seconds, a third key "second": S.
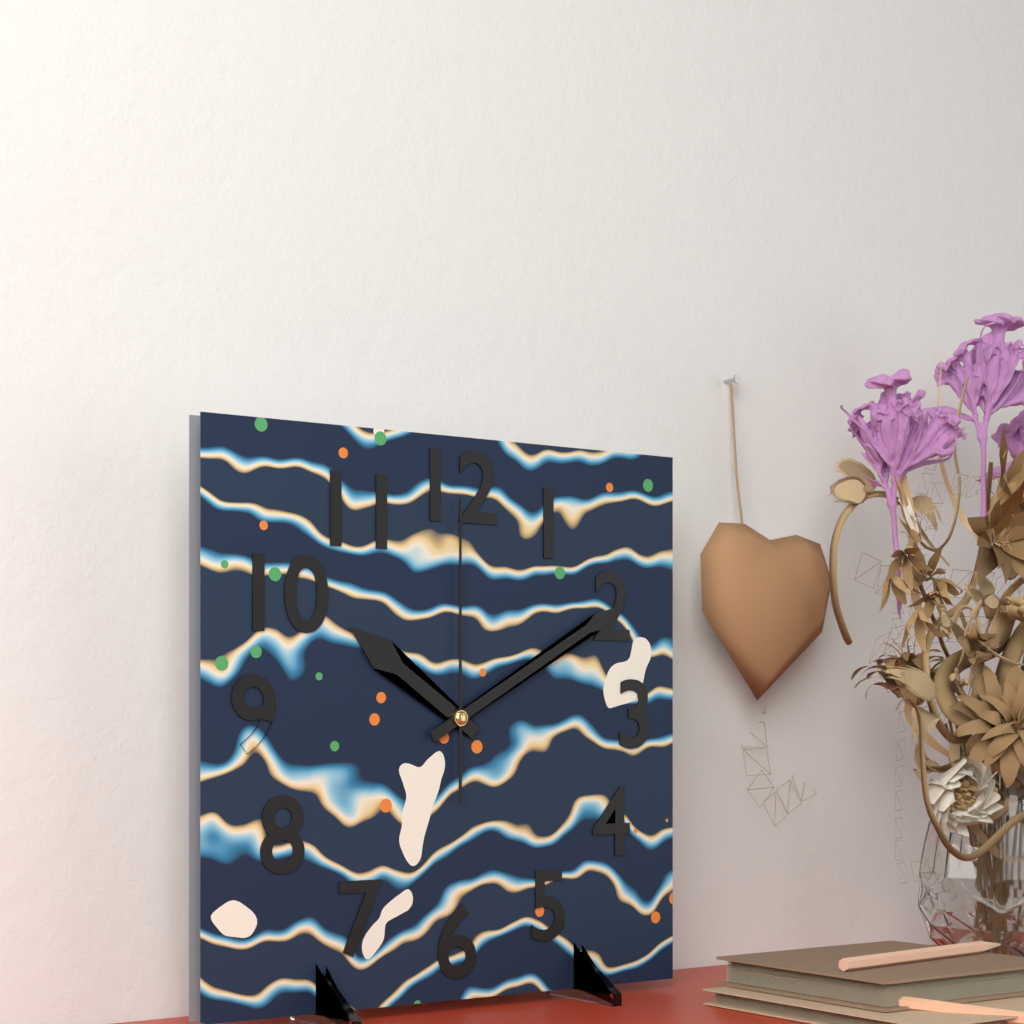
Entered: {"hour": 10, "minute": 10, "second": 0}
